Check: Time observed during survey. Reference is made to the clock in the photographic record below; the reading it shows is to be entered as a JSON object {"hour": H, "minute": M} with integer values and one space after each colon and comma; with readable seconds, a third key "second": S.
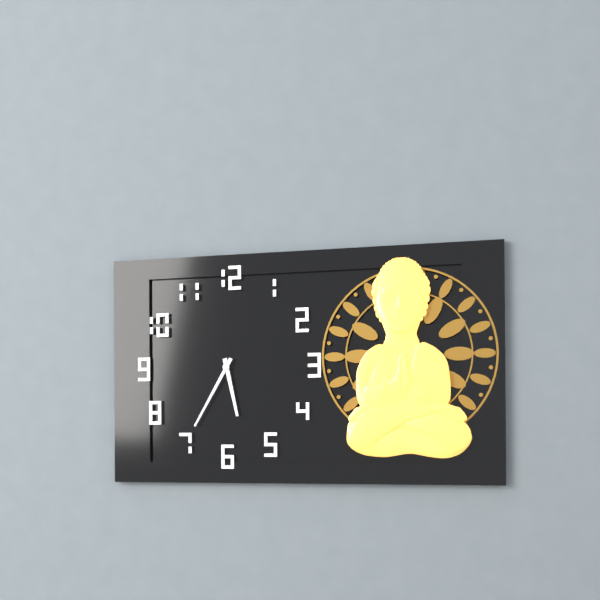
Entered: {"hour": 5, "minute": 35}
